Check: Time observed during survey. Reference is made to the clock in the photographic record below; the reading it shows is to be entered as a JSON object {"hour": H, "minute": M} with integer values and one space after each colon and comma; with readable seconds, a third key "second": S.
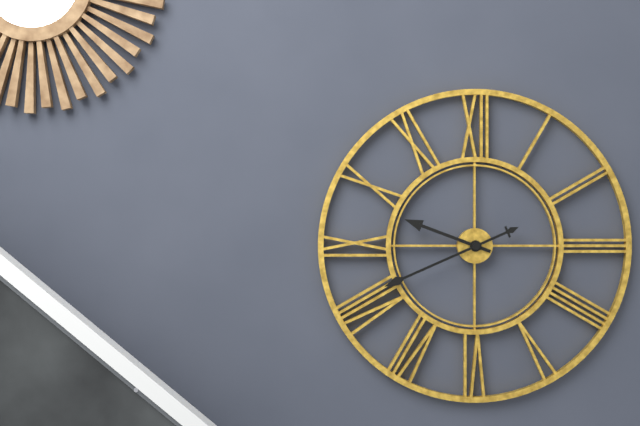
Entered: {"hour": 9, "minute": 41}
